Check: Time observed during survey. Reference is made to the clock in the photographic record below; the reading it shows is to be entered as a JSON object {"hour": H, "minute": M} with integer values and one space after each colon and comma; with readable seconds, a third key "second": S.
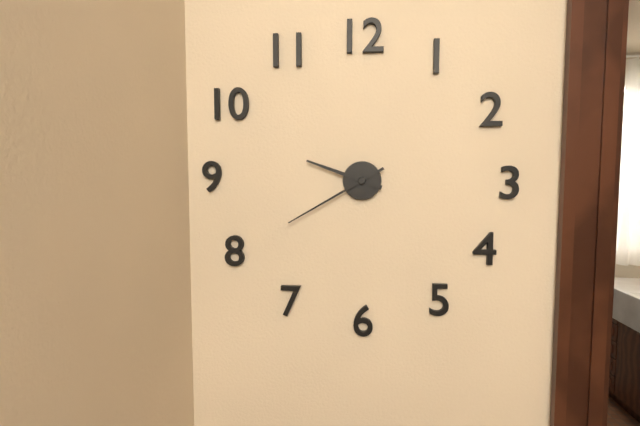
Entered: {"hour": 9, "minute": 40}
